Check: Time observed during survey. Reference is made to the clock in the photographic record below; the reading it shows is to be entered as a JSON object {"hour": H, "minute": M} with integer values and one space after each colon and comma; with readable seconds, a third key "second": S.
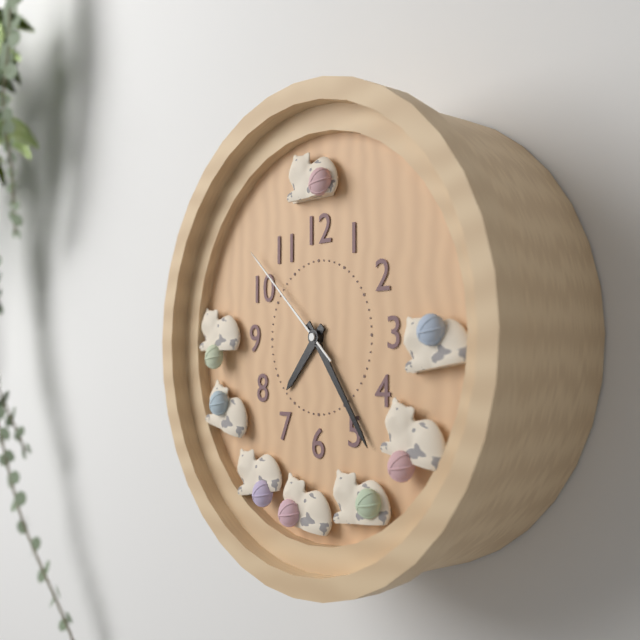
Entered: {"hour": 7, "minute": 24, "second": 52}
